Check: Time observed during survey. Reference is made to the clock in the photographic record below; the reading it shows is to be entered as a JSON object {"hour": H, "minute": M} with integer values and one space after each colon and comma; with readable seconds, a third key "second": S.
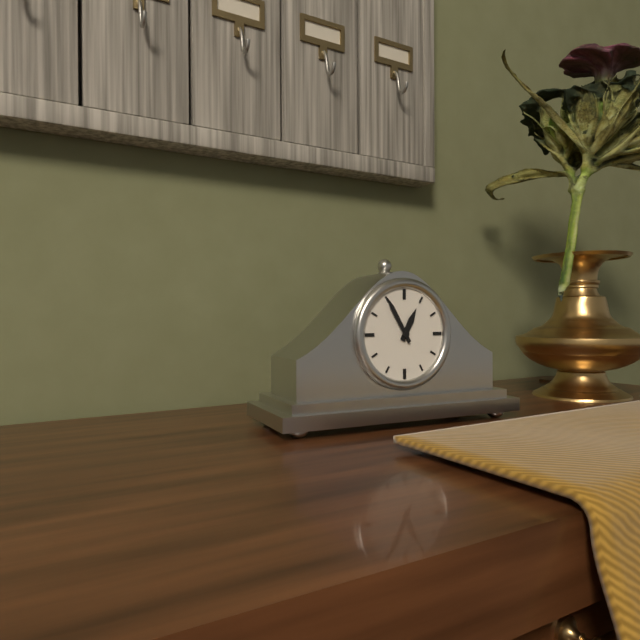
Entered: {"hour": 12, "minute": 55}
